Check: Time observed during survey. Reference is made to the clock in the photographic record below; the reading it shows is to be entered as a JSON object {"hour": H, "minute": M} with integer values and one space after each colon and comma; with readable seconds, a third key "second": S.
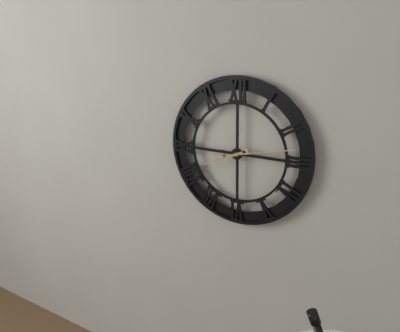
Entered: {"hour": 8, "minute": 13}
